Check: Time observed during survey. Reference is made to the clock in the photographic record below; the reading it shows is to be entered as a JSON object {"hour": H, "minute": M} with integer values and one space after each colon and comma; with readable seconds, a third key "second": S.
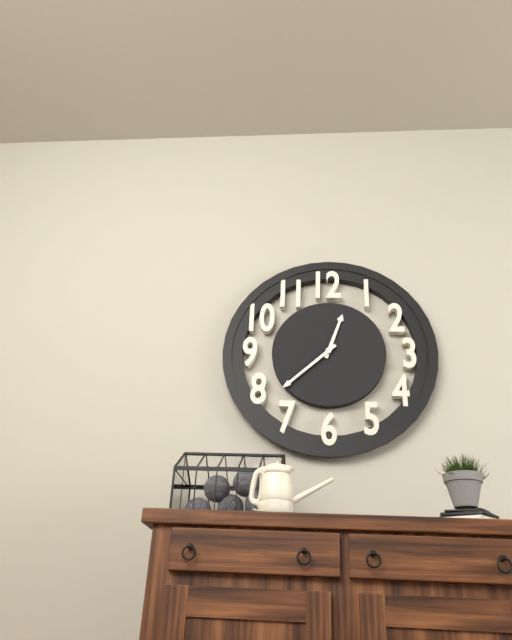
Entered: {"hour": 12, "minute": 38}
